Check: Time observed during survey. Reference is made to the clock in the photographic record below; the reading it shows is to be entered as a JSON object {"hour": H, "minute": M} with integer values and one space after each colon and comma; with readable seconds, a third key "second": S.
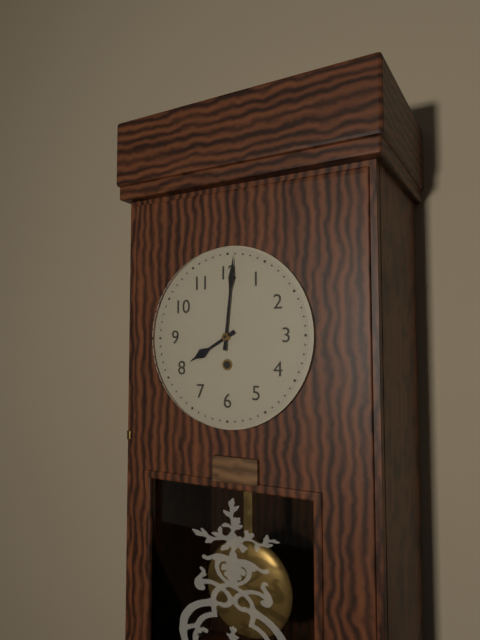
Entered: {"hour": 8, "minute": 1}
